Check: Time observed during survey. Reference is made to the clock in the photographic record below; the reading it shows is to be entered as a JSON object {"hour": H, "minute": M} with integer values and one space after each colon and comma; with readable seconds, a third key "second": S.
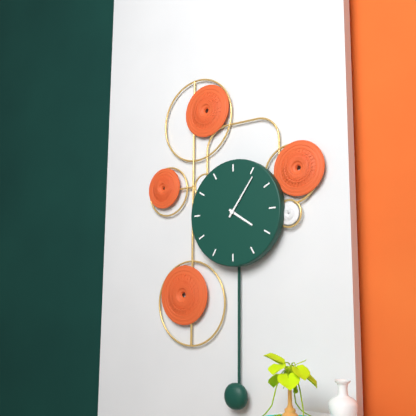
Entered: {"hour": 4, "minute": 6}
